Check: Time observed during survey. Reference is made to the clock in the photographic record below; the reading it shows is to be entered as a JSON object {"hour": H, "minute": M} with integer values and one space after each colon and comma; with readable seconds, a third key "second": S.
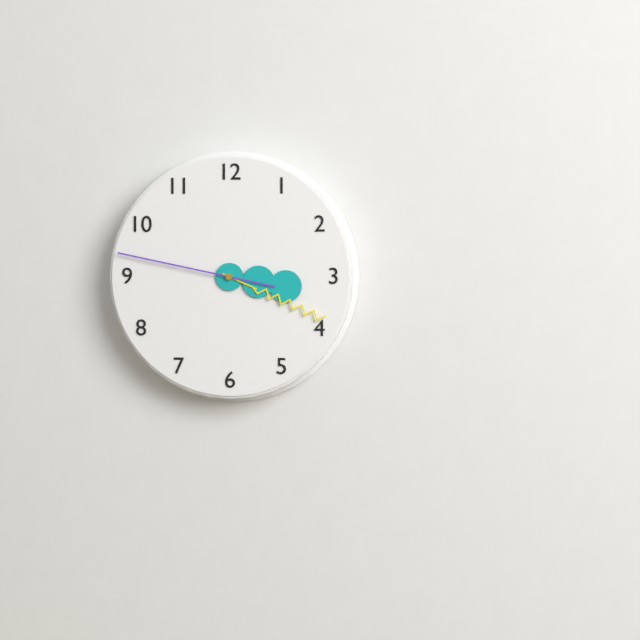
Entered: {"hour": 3, "minute": 19, "second": 47}
